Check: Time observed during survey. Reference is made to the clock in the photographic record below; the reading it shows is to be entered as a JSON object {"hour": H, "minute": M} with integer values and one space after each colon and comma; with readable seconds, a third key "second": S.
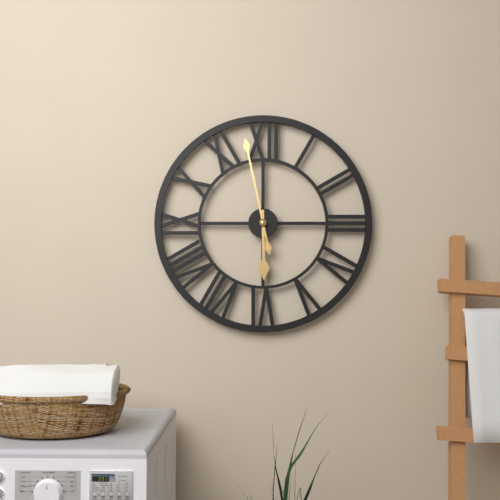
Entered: {"hour": 5, "minute": 58}
